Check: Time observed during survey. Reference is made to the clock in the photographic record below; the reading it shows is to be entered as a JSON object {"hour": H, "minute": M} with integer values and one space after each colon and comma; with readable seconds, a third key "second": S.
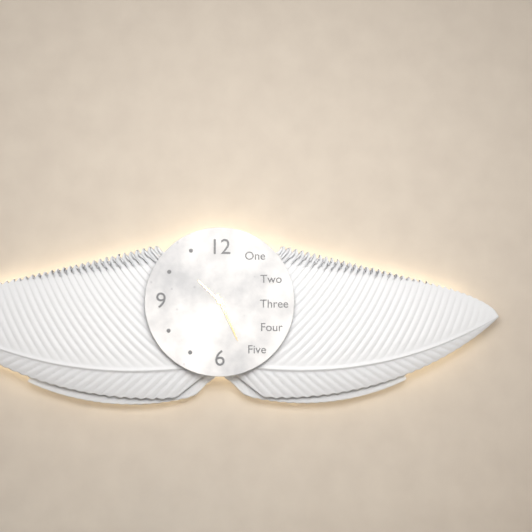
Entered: {"hour": 10, "minute": 26}
